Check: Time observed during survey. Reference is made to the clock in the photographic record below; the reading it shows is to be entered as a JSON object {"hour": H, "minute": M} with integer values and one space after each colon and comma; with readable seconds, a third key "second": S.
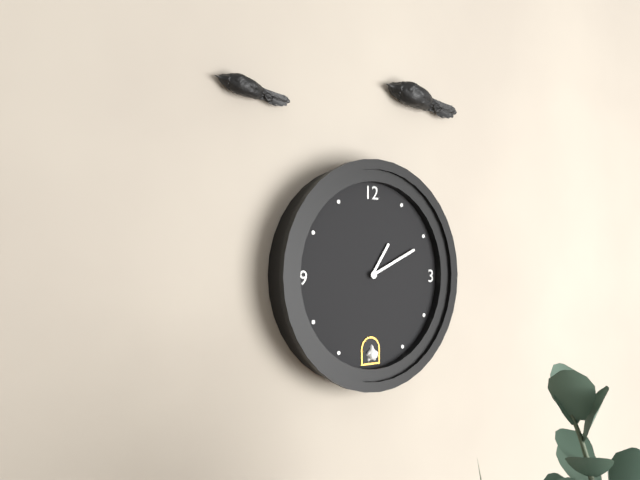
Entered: {"hour": 1, "minute": 11}
